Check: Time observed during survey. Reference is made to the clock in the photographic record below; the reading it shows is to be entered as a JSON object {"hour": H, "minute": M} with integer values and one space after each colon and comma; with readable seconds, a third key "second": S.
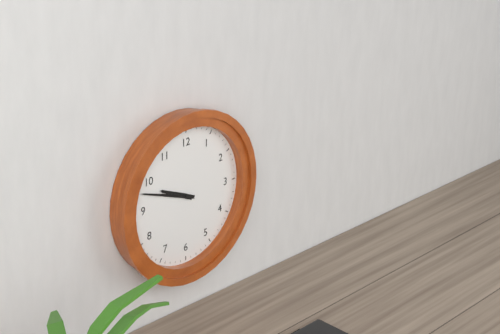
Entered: {"hour": 9, "minute": 48}
